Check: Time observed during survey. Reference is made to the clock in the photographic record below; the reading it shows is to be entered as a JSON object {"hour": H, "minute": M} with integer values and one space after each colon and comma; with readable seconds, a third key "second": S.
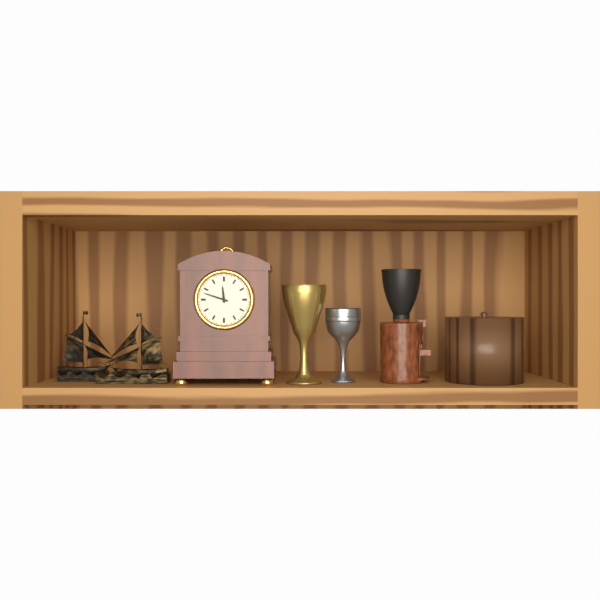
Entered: {"hour": 11, "minute": 48}
